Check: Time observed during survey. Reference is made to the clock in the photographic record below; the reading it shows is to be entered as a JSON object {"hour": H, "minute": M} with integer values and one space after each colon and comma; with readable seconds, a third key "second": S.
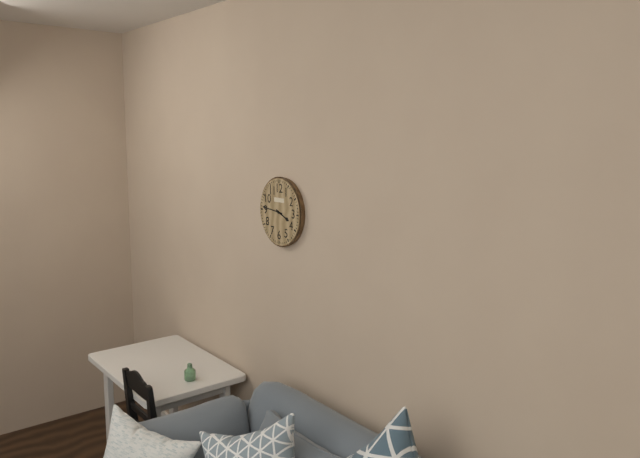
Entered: {"hour": 3, "minute": 46}
